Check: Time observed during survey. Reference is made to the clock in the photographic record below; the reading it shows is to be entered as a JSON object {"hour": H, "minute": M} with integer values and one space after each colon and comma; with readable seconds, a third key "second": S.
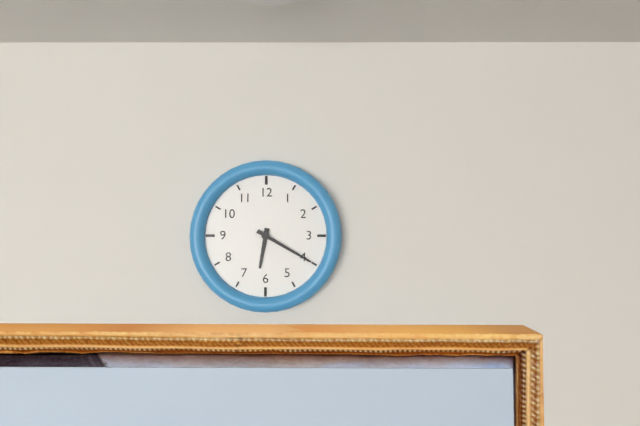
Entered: {"hour": 6, "minute": 20}
